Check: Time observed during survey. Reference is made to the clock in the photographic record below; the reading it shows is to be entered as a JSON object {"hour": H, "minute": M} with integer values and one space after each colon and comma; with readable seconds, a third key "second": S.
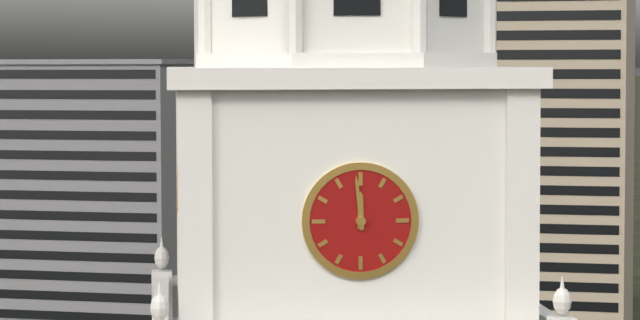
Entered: {"hour": 11, "minute": 59}
